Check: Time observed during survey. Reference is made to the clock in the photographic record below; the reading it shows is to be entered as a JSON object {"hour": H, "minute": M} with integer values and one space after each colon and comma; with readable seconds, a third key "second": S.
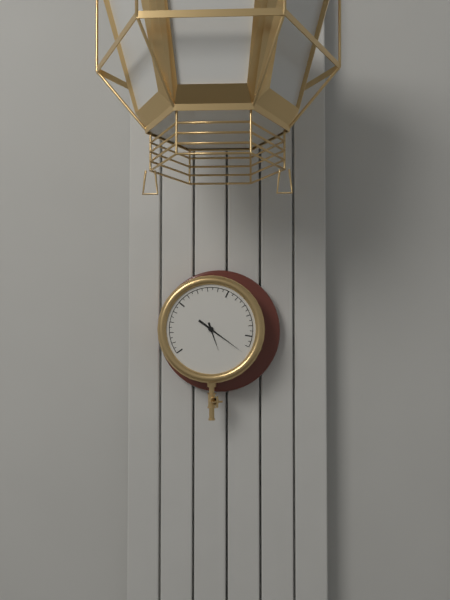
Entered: {"hour": 5, "minute": 21}
